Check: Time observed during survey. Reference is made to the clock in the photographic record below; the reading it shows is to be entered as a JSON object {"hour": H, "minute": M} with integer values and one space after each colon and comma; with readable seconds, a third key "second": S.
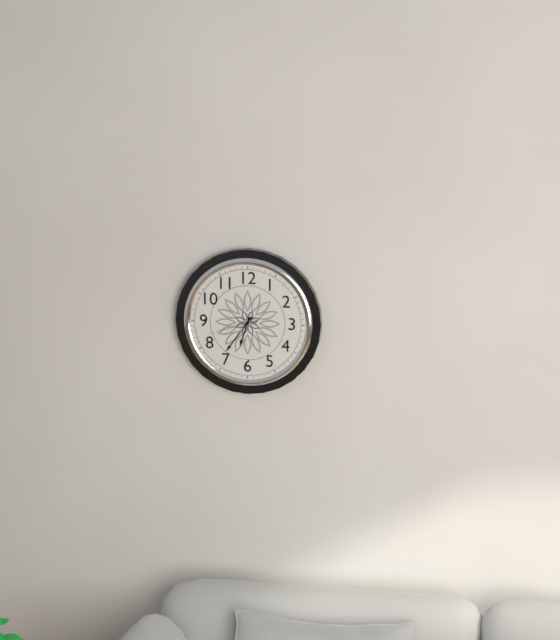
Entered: {"hour": 6, "minute": 36, "second": 42}
